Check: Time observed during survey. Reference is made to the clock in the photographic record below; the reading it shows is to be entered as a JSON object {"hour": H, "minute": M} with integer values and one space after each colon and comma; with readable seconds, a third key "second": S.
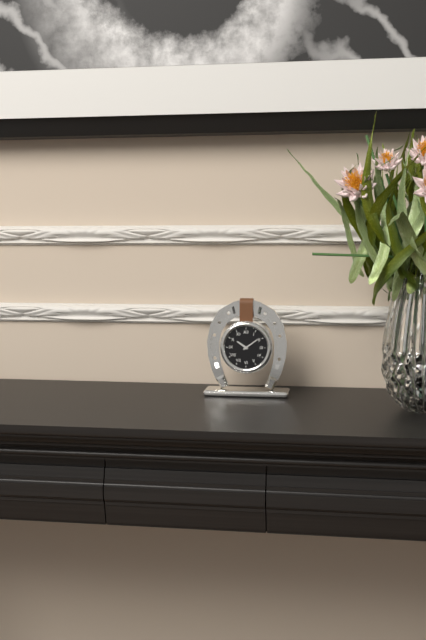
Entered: {"hour": 10, "minute": 9}
